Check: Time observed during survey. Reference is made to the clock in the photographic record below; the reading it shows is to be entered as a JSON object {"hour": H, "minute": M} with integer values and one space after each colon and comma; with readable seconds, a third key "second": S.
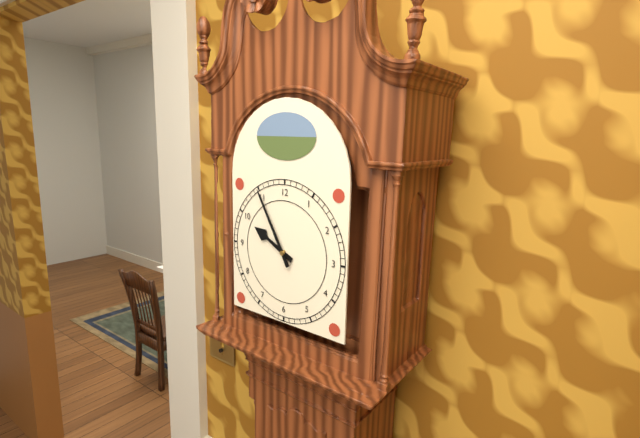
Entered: {"hour": 9, "minute": 55}
